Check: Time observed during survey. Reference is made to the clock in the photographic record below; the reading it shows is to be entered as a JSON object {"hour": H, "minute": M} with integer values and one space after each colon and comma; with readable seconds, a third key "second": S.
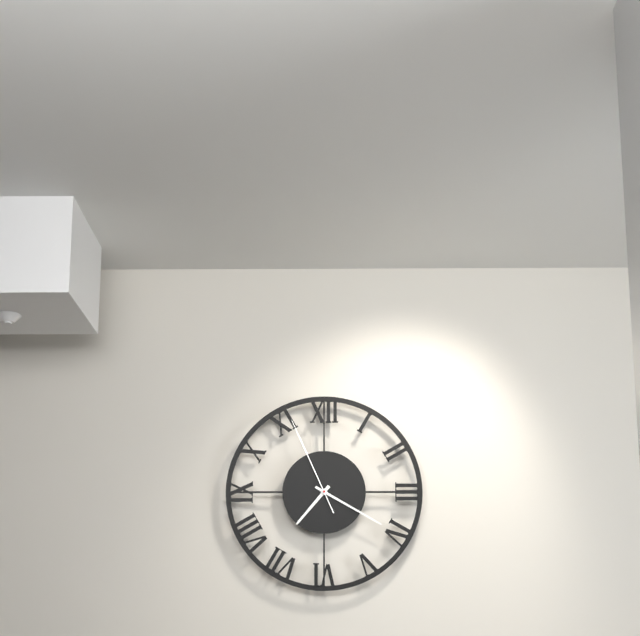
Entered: {"hour": 7, "minute": 20, "second": 56}
